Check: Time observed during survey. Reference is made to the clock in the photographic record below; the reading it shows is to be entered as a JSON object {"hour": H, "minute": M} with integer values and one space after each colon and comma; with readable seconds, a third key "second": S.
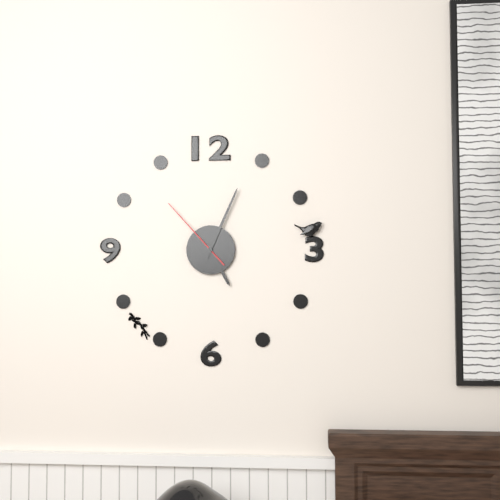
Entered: {"hour": 5, "minute": 4, "second": 53}
